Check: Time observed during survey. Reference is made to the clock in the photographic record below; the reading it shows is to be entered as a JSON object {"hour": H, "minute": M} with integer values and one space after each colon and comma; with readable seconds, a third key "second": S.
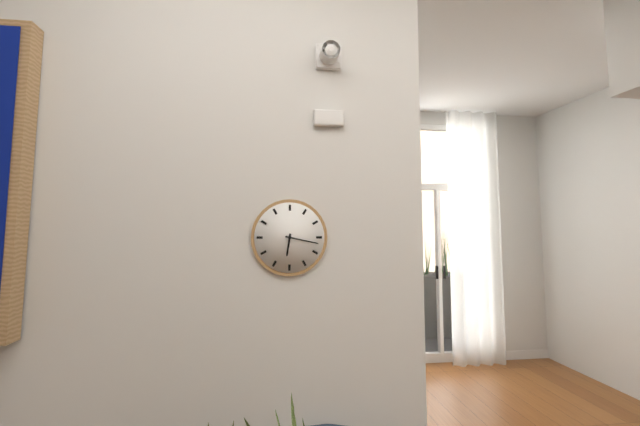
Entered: {"hour": 6, "minute": 17}
